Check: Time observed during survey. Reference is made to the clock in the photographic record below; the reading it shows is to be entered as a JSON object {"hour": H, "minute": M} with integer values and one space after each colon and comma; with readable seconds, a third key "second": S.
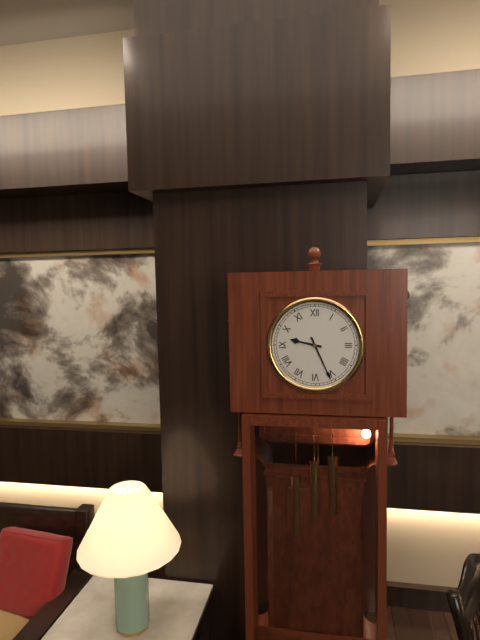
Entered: {"hour": 9, "minute": 26}
